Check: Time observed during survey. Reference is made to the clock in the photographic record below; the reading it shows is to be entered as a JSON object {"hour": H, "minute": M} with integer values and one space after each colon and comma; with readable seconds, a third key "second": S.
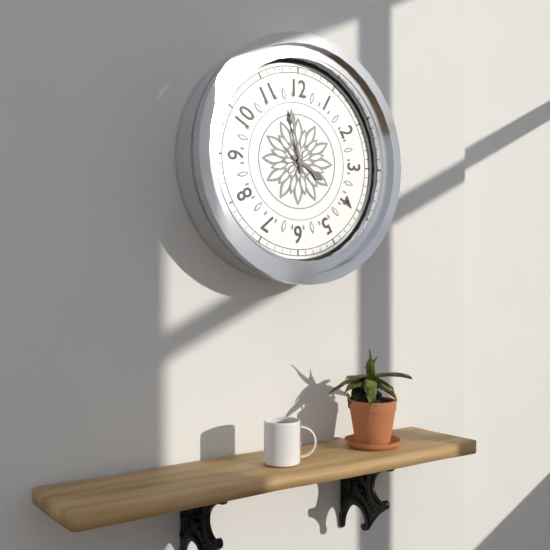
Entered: {"hour": 3, "minute": 58}
